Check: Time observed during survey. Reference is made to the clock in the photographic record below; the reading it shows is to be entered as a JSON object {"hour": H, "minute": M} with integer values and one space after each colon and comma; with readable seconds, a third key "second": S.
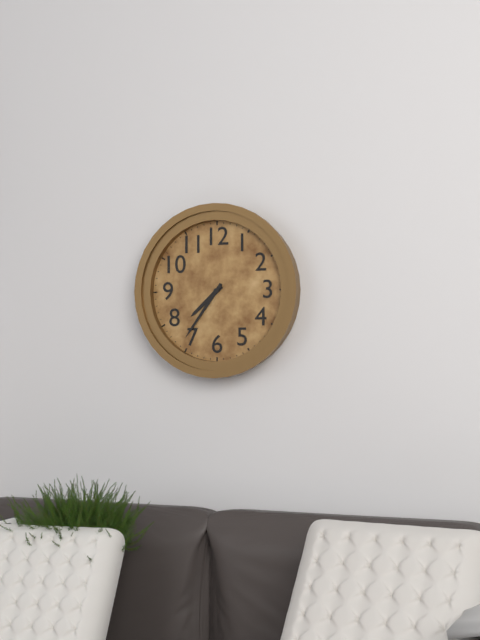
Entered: {"hour": 7, "minute": 36}
